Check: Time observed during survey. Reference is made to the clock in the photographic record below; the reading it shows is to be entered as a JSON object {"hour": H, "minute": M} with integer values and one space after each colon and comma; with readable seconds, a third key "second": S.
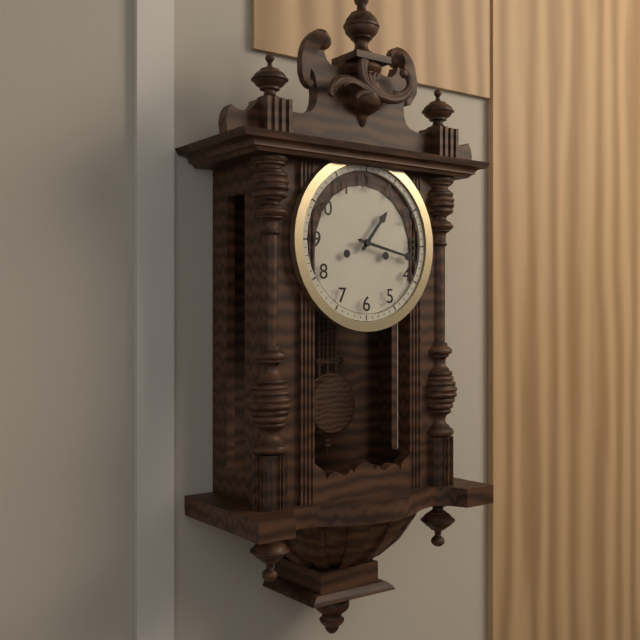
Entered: {"hour": 1, "minute": 17}
